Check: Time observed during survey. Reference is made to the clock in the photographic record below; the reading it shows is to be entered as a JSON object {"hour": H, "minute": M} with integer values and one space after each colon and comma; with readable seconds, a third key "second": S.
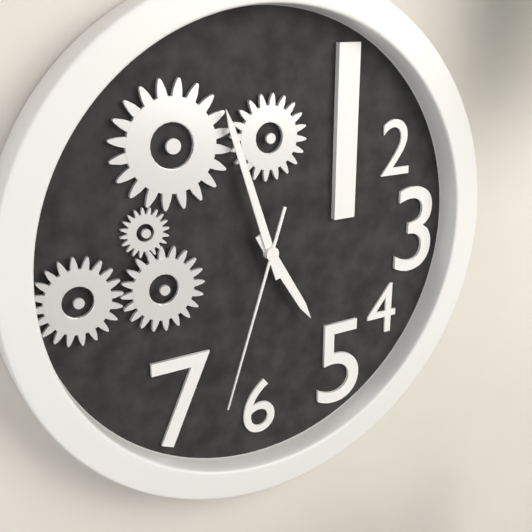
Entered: {"hour": 4, "minute": 57, "second": 33}
